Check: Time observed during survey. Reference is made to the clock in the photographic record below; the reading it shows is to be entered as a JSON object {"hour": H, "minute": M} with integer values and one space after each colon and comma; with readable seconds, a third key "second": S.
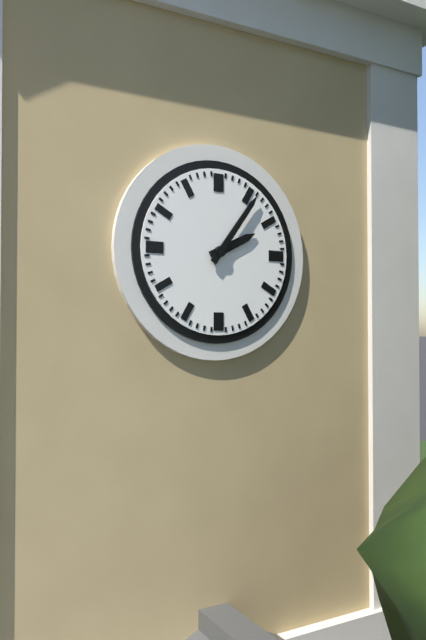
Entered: {"hour": 2, "minute": 6}
